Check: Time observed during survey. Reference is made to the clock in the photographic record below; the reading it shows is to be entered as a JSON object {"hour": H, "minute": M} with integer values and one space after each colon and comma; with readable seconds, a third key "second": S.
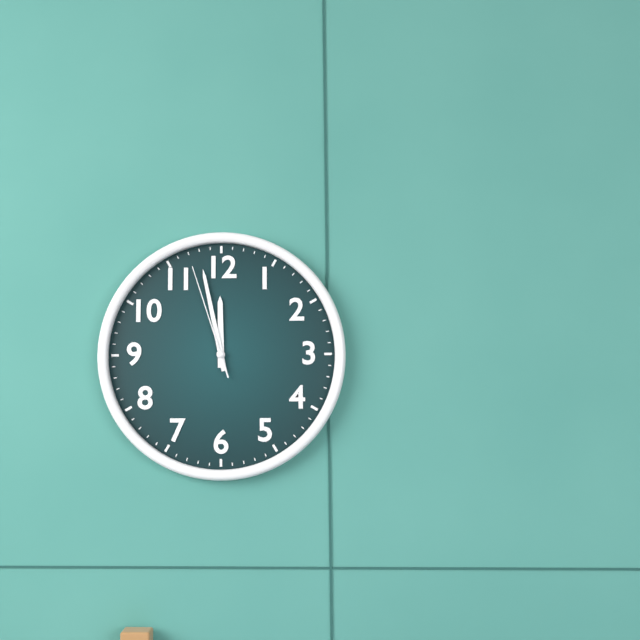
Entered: {"hour": 11, "minute": 58, "second": 57}
